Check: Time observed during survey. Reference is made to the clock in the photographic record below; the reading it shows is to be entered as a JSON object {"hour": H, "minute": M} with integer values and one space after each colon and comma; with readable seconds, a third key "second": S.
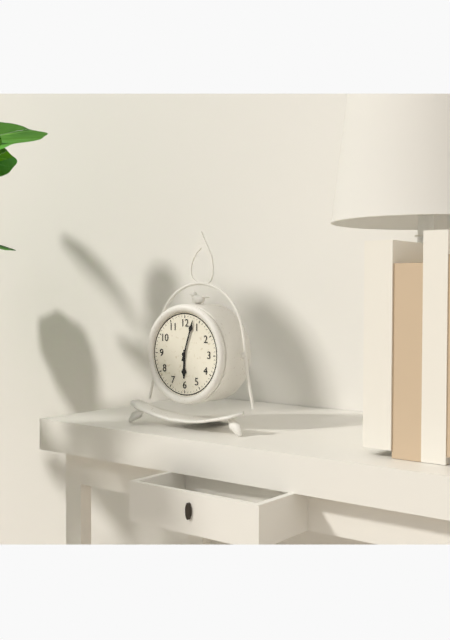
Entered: {"hour": 6, "minute": 3}
